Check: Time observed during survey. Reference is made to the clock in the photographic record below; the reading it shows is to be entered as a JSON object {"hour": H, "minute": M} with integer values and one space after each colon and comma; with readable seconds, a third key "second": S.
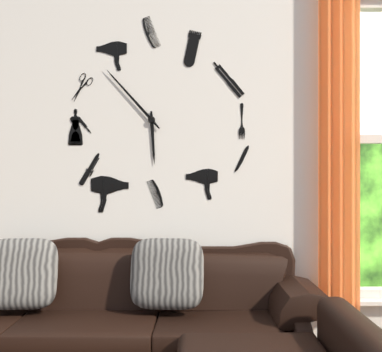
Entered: {"hour": 5, "minute": 53}
